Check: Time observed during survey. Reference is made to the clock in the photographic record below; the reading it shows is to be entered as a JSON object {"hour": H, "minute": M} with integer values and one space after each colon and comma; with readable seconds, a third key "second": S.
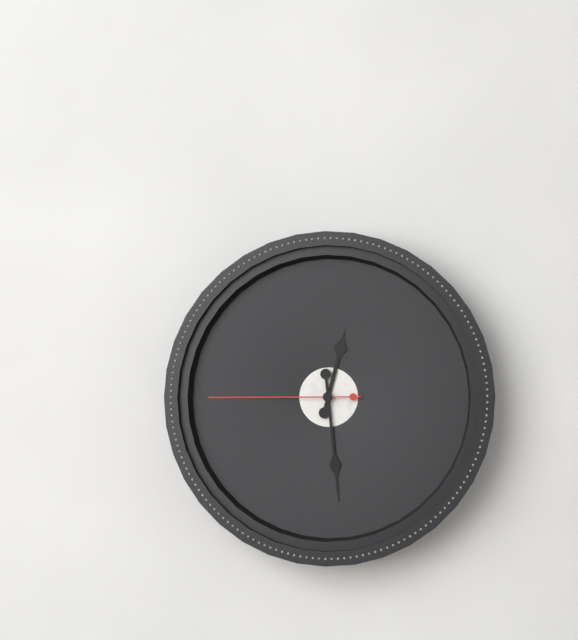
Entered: {"hour": 12, "minute": 29, "second": 45}
